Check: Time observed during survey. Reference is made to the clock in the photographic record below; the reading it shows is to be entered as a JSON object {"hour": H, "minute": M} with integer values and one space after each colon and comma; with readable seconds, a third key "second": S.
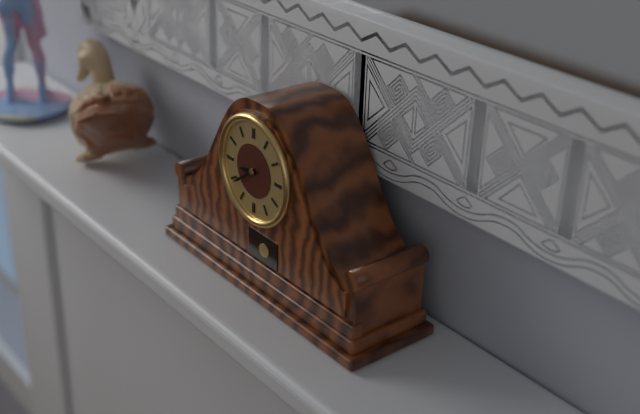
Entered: {"hour": 8, "minute": 39}
